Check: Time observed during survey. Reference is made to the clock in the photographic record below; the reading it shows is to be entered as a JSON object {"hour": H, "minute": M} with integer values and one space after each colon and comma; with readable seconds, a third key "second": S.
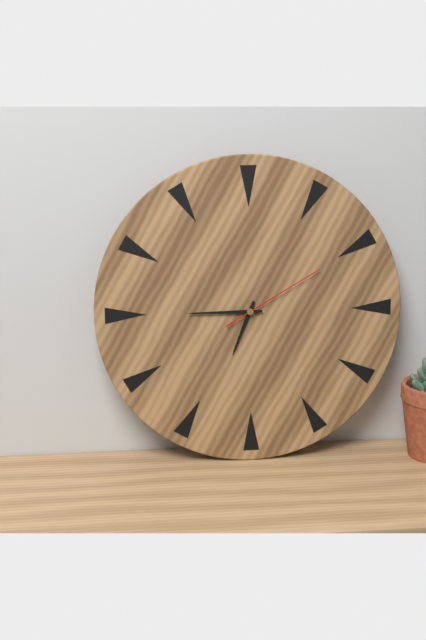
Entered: {"hour": 6, "minute": 45, "second": 10}
